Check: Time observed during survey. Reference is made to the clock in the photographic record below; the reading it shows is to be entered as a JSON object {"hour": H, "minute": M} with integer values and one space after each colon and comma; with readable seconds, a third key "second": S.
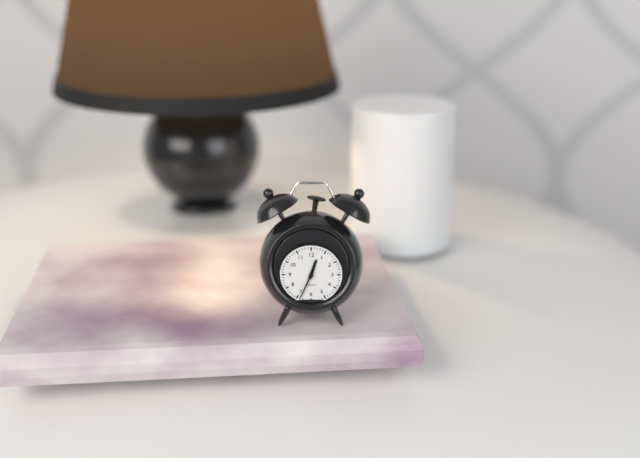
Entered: {"hour": 12, "minute": 34}
